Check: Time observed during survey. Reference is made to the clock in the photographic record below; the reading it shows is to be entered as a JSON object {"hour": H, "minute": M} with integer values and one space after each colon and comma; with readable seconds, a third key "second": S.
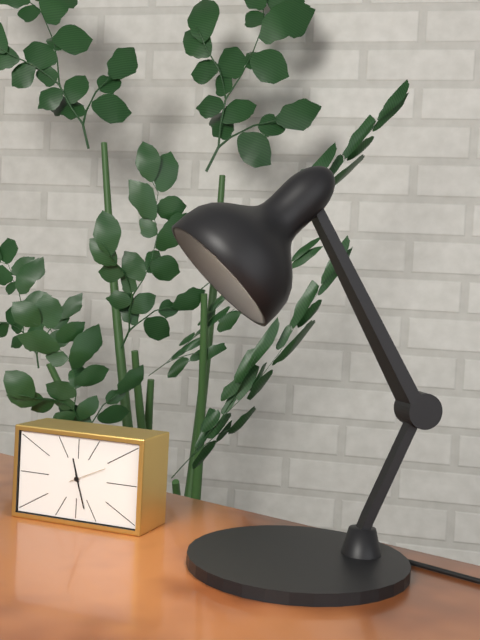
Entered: {"hour": 11, "minute": 27}
